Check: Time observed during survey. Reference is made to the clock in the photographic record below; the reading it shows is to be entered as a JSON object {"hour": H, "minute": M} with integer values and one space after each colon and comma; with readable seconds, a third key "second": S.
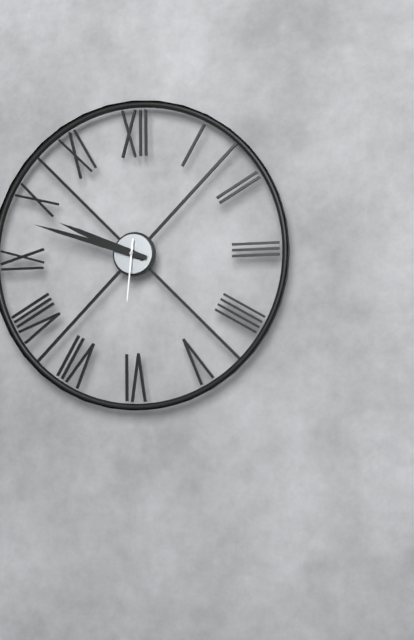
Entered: {"hour": 9, "minute": 48, "second": 31}
